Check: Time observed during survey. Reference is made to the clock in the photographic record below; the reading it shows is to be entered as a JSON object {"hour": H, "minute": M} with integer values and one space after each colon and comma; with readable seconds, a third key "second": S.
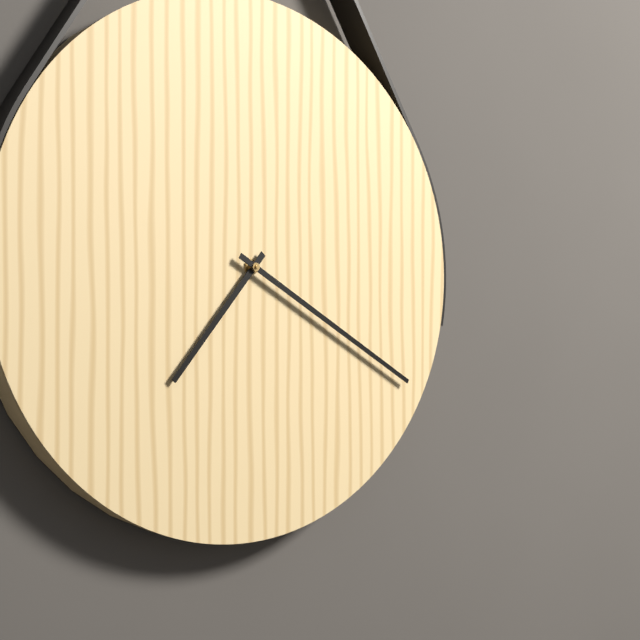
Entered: {"hour": 7, "minute": 20}
